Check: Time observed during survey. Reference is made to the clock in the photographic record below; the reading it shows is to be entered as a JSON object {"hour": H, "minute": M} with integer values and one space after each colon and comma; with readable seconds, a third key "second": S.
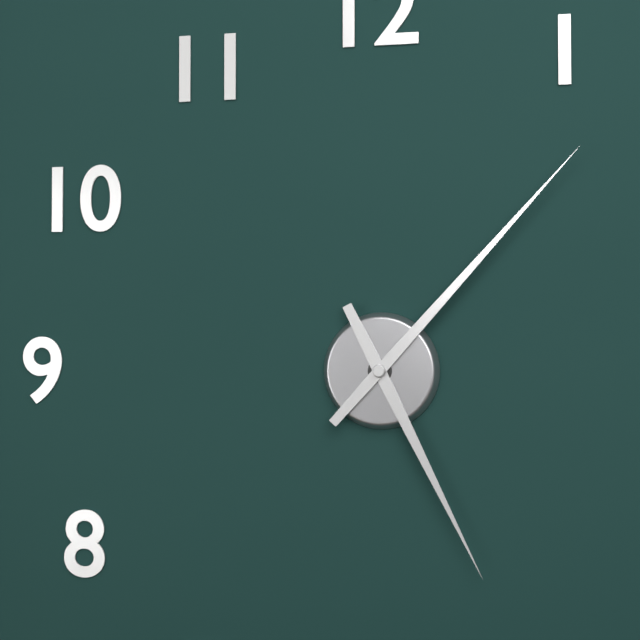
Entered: {"hour": 5, "minute": 7}
